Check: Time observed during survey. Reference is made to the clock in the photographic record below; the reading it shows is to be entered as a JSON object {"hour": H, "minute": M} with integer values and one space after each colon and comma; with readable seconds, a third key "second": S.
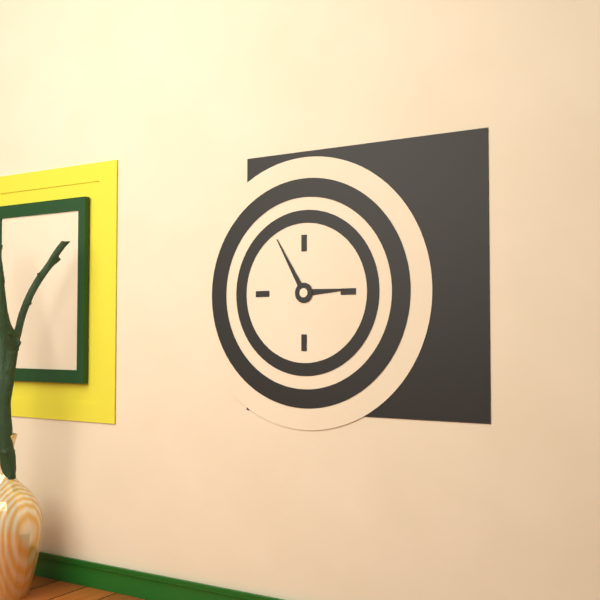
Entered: {"hour": 2, "minute": 55}
